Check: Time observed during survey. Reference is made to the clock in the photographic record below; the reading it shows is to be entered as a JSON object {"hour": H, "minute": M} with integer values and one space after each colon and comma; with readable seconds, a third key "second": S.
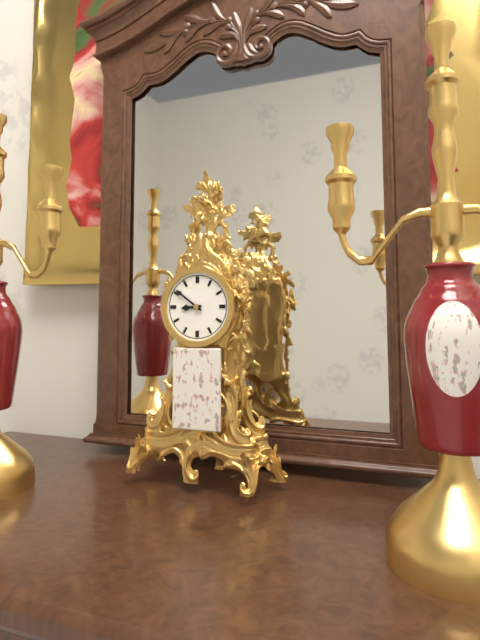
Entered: {"hour": 8, "minute": 51}
